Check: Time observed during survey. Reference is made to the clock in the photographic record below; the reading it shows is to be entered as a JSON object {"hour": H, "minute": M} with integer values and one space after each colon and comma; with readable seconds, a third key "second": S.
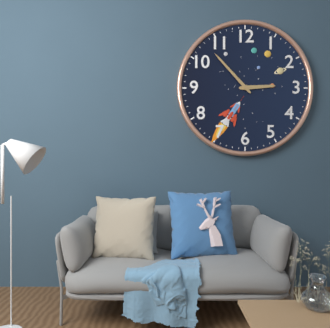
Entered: {"hour": 2, "minute": 53}
